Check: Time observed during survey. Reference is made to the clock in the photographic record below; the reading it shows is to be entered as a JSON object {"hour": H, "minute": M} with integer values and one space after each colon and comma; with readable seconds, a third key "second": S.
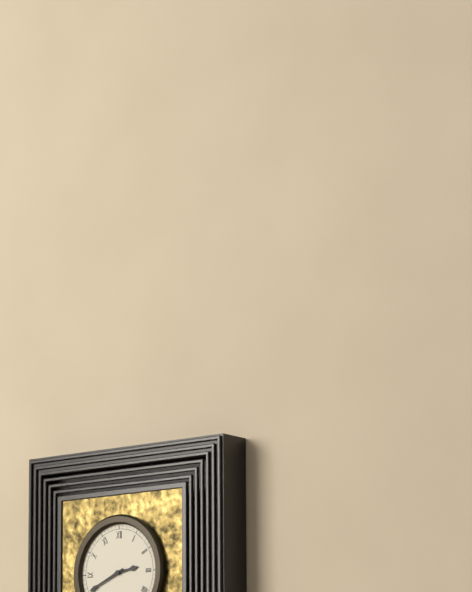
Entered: {"hour": 2, "minute": 41}
